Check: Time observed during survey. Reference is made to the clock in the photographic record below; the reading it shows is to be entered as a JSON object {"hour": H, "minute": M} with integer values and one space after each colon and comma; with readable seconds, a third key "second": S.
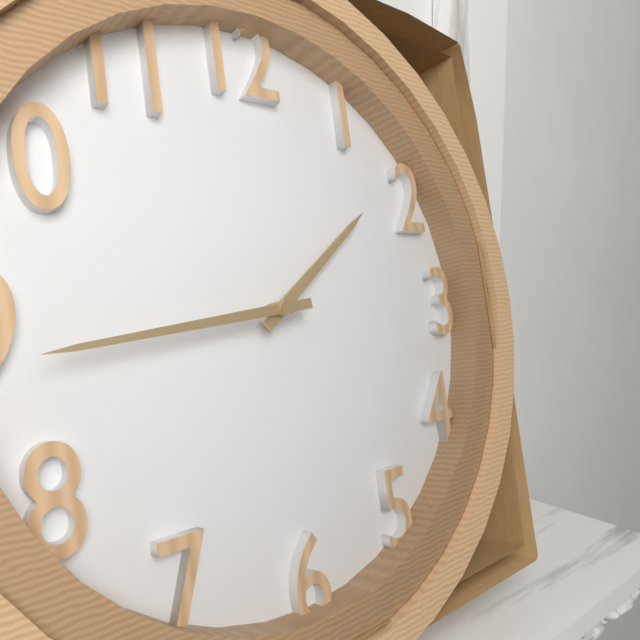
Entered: {"hour": 1, "minute": 44}
